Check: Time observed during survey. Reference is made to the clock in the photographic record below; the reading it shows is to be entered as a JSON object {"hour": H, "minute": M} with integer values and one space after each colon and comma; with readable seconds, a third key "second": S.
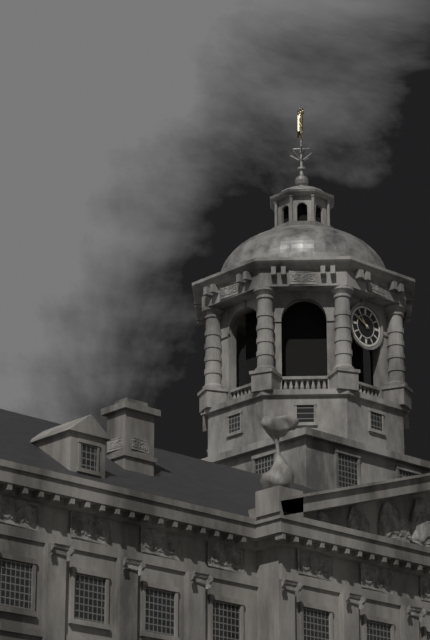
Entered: {"hour": 10, "minute": 50}
